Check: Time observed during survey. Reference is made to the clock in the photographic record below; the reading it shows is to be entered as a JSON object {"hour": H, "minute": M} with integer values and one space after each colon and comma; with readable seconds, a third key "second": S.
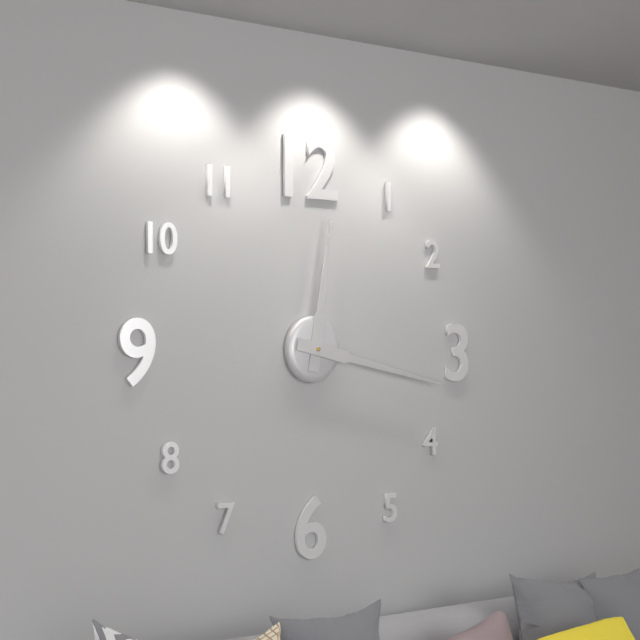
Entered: {"hour": 12, "minute": 17}
